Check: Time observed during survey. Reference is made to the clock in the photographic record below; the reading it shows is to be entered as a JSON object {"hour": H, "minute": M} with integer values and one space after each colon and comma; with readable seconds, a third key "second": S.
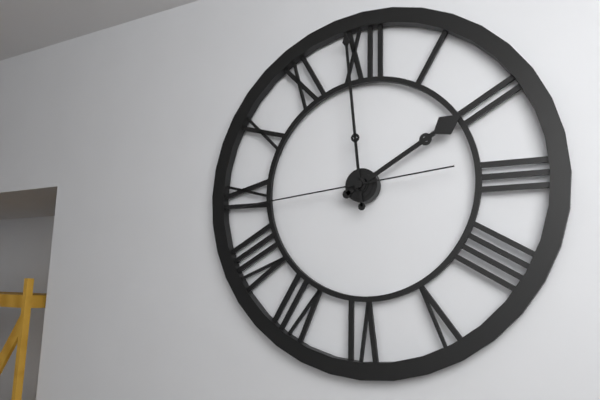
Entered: {"hour": 1, "minute": 59, "second": 44}
